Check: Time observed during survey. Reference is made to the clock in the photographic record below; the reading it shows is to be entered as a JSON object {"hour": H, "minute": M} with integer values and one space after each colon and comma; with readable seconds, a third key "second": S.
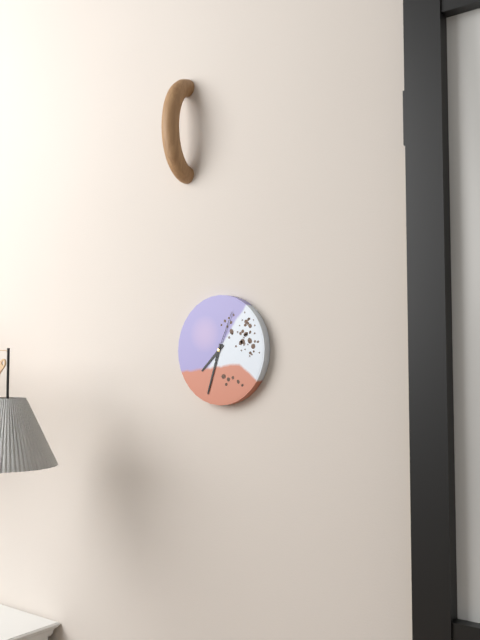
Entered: {"hour": 7, "minute": 33, "second": 4}
